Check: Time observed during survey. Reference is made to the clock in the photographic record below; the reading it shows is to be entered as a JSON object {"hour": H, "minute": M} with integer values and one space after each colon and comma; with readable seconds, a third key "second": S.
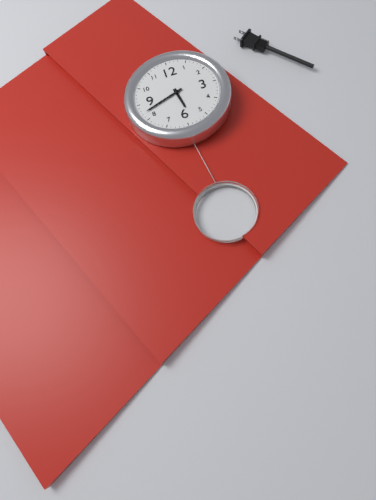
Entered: {"hour": 5, "minute": 42}
